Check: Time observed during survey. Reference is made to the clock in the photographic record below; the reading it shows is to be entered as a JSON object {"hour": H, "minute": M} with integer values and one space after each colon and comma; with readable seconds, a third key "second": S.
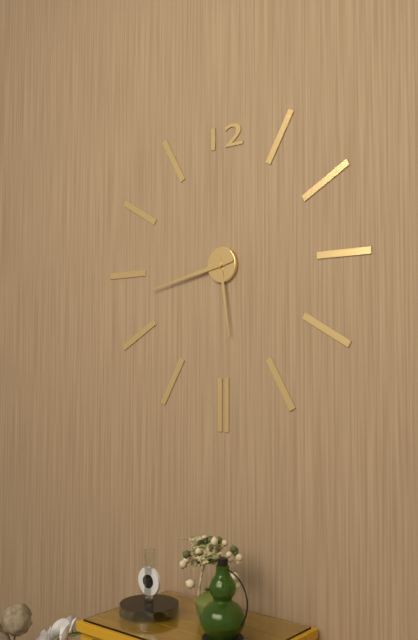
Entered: {"hour": 5, "minute": 43}
